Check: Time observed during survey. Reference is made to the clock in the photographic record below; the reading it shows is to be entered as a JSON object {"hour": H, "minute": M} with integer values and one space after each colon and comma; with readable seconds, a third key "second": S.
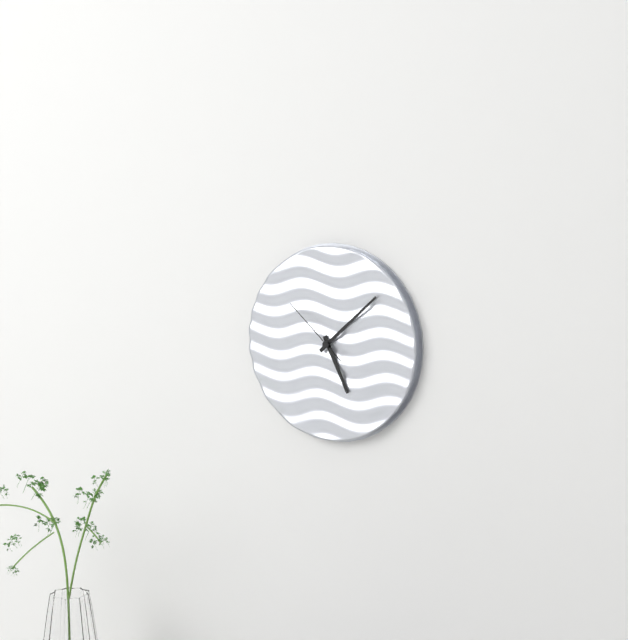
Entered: {"hour": 5, "minute": 8, "second": 52}
